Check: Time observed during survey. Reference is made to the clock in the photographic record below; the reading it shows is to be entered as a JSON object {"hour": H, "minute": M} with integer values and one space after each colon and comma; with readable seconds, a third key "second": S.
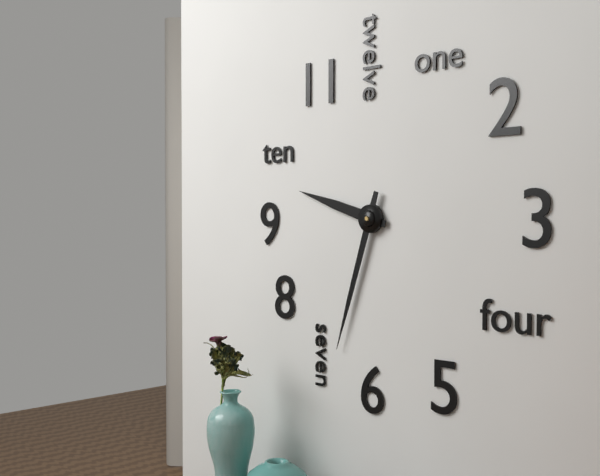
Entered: {"hour": 9, "minute": 33}
